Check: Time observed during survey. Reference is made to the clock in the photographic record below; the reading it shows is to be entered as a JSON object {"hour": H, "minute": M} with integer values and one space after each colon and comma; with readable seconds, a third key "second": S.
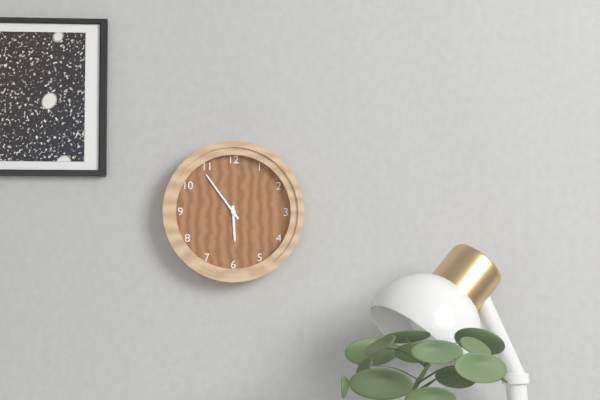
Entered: {"hour": 5, "minute": 54}
